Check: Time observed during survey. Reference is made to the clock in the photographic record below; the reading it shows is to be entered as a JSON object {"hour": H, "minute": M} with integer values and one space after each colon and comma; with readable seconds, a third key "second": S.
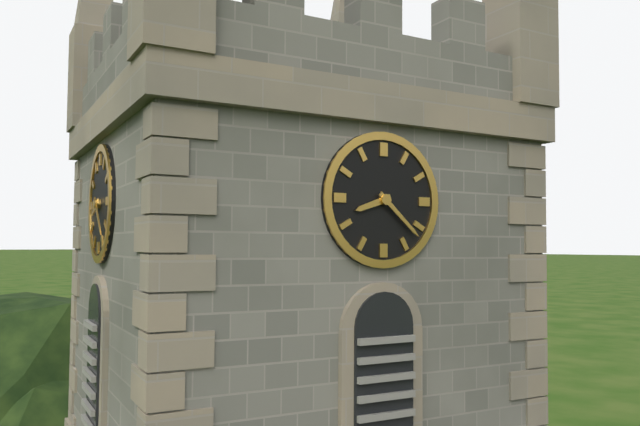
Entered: {"hour": 8, "minute": 22}
